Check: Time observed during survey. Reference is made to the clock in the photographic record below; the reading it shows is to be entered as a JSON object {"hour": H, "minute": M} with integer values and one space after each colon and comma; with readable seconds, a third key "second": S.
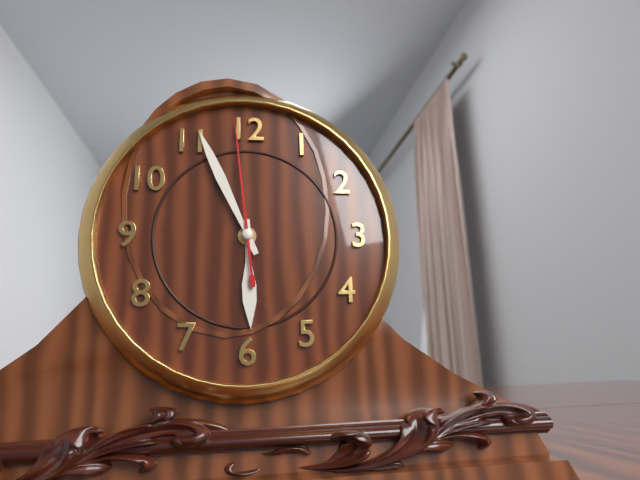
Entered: {"hour": 5, "minute": 56, "second": 59}
